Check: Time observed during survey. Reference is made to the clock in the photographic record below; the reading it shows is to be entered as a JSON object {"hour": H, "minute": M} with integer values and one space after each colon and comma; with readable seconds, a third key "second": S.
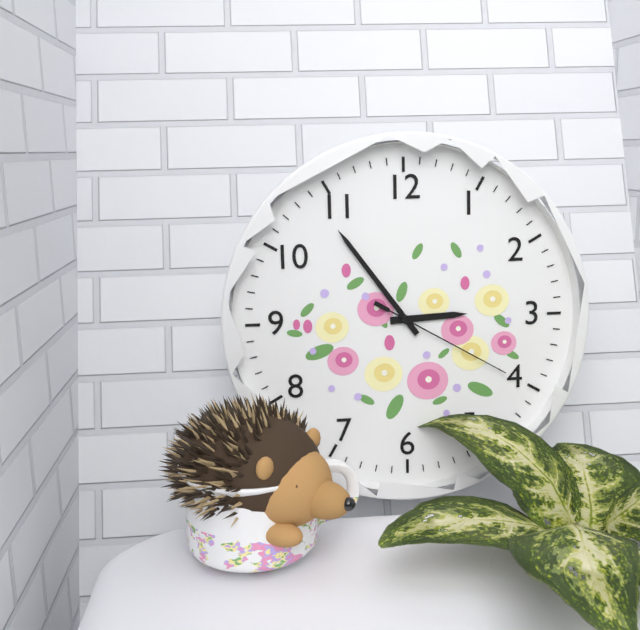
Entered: {"hour": 2, "minute": 54, "second": 20}
